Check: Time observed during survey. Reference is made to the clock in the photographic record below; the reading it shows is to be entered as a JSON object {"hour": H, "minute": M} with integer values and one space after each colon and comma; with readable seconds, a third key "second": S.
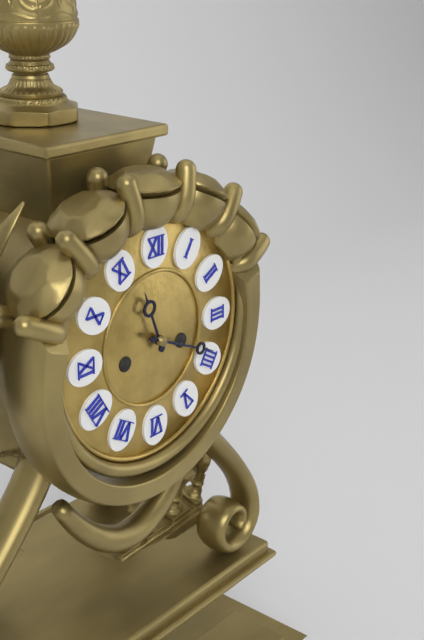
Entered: {"hour": 11, "minute": 19}
